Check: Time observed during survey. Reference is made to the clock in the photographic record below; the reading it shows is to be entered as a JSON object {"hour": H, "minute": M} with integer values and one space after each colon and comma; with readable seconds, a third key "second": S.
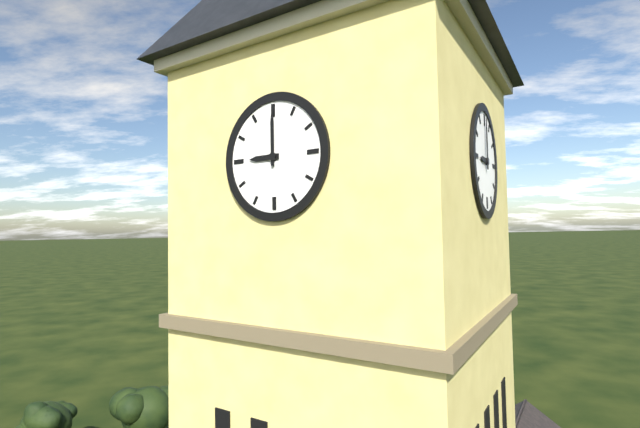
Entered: {"hour": 9, "minute": 0}
